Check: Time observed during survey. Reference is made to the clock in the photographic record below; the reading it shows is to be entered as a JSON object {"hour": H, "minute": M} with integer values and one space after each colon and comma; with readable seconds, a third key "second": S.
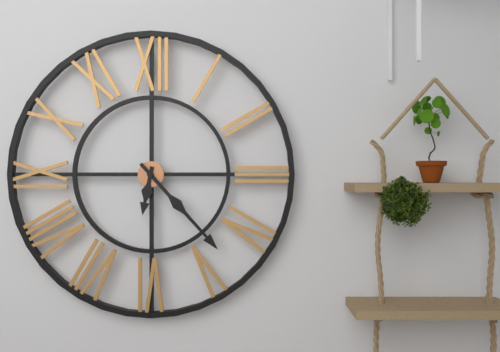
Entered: {"hour": 6, "minute": 23}
